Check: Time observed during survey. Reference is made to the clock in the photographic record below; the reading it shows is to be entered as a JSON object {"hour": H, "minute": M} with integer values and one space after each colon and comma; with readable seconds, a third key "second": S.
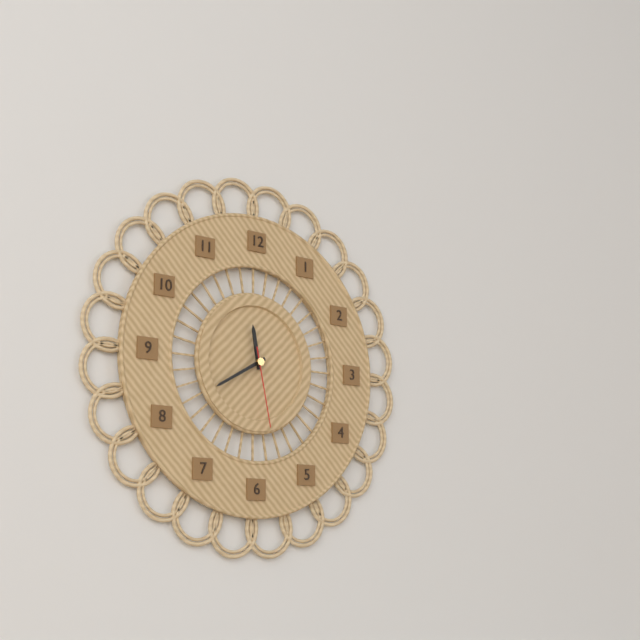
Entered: {"hour": 11, "minute": 40, "second": 28}
